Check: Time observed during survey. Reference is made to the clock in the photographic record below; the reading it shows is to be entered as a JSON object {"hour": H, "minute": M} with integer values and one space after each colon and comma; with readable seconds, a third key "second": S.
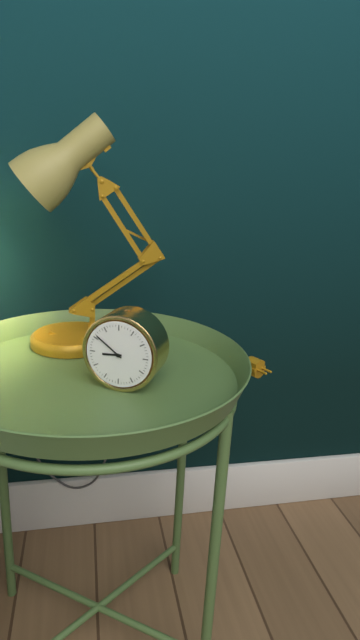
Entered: {"hour": 8, "minute": 51}
